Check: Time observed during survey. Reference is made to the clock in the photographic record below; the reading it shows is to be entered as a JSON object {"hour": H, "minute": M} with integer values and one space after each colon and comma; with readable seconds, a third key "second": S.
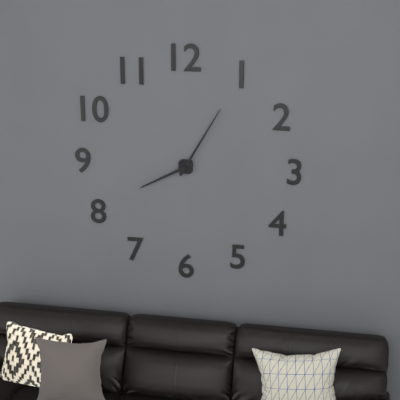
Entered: {"hour": 8, "minute": 5}
